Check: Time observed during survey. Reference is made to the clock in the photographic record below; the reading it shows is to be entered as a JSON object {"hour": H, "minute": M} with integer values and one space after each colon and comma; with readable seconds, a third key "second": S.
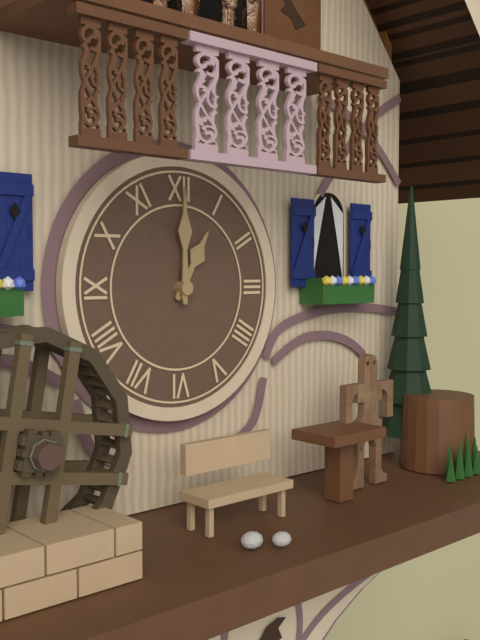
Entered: {"hour": 1, "minute": 0}
